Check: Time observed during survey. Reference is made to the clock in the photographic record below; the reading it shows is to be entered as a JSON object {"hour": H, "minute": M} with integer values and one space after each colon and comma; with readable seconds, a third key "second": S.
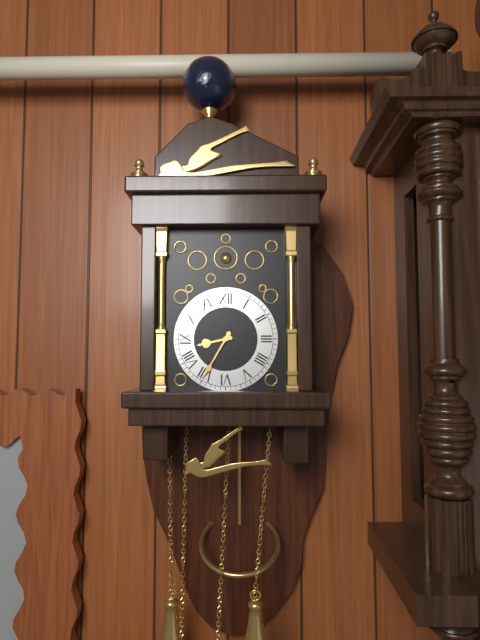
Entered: {"hour": 8, "minute": 35}
